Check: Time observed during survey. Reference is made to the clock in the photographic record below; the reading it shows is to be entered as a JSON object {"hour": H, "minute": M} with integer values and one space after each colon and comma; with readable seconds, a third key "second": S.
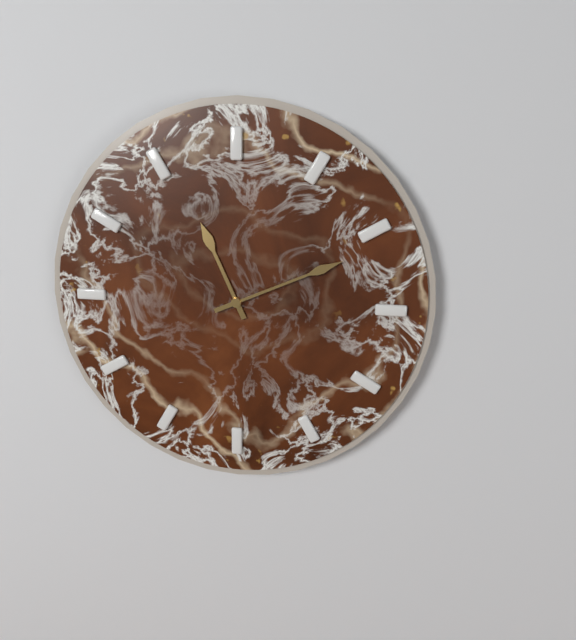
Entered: {"hour": 11, "minute": 11}
